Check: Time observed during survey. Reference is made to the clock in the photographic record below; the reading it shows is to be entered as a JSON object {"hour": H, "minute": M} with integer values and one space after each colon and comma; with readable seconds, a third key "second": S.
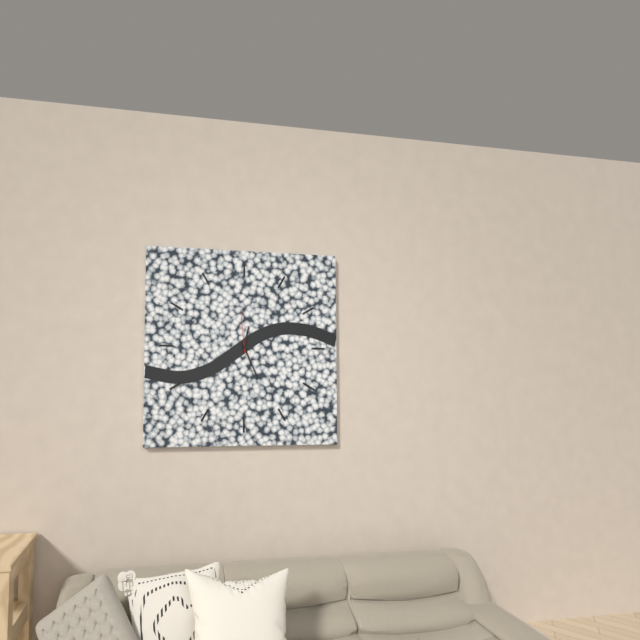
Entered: {"hour": 12, "minute": 26}
